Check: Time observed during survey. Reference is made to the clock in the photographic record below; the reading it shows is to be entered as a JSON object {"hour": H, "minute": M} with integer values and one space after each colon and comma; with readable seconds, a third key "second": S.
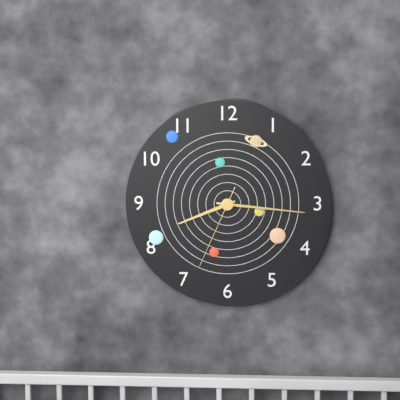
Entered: {"hour": 8, "minute": 16, "second": 34}
